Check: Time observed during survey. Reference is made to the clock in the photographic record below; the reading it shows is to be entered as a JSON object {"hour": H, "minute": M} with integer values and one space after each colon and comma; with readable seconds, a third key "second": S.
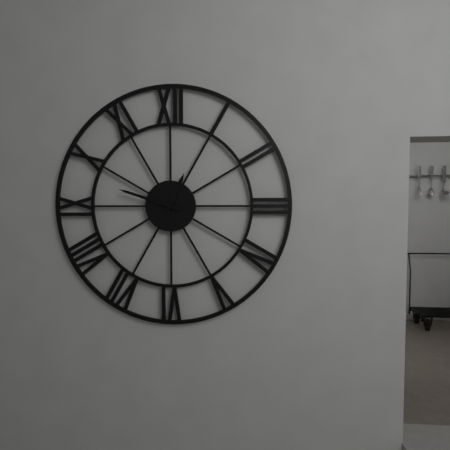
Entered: {"hour": 12, "minute": 48}
